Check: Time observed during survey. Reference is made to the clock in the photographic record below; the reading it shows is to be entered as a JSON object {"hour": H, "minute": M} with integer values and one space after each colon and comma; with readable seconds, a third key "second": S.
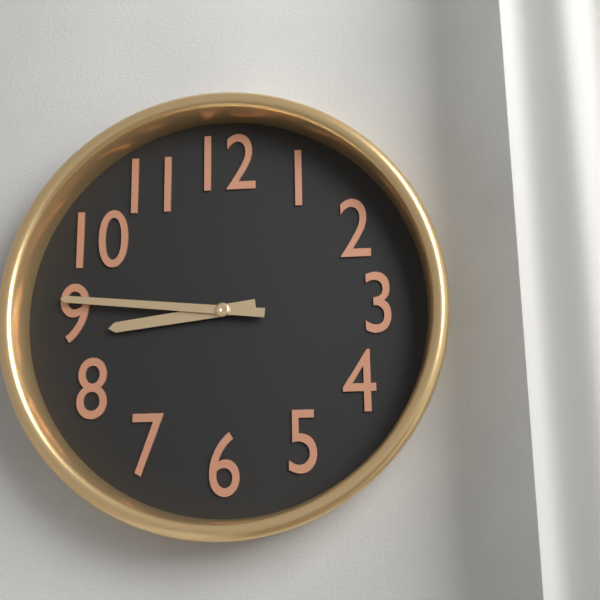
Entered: {"hour": 8, "minute": 46}
